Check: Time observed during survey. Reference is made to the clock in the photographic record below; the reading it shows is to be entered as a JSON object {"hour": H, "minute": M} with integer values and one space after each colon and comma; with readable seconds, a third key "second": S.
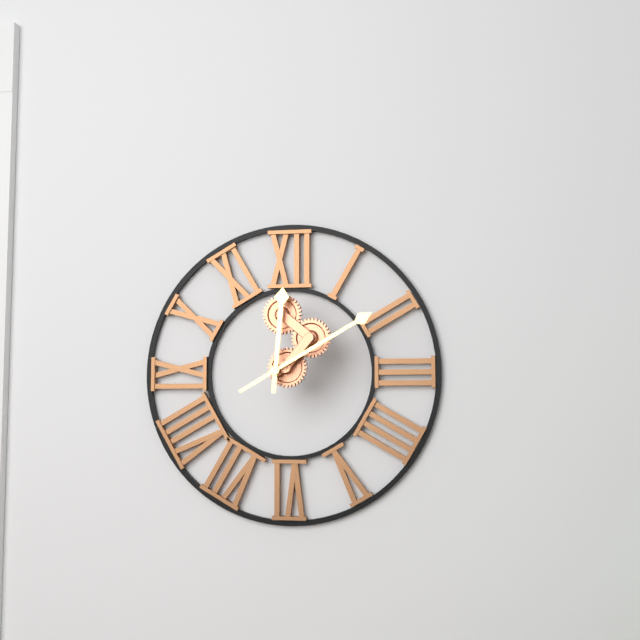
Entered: {"hour": 12, "minute": 10}
